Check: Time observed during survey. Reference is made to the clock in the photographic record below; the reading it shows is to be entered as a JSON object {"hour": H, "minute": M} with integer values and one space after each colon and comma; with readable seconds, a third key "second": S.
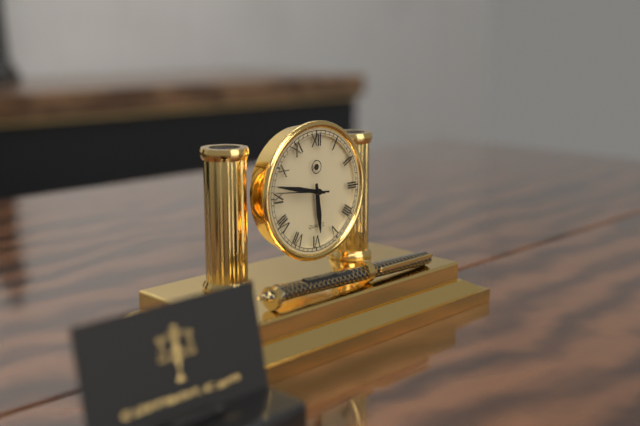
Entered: {"hour": 5, "minute": 47, "second": 46}
